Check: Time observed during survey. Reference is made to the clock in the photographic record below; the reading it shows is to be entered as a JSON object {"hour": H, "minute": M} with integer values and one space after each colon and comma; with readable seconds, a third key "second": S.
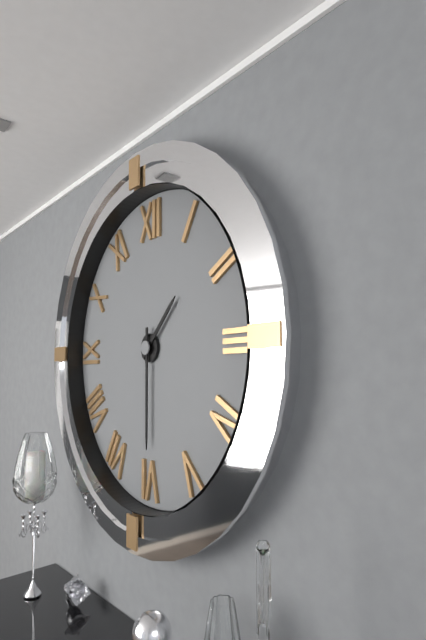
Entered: {"hour": 1, "minute": 30}
